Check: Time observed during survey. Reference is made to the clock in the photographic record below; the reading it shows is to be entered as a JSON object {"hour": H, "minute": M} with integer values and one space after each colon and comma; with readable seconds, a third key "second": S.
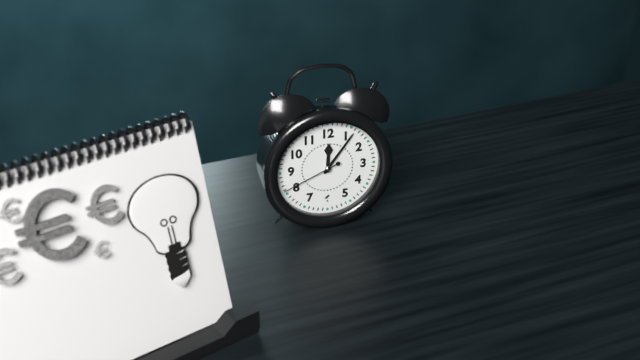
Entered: {"hour": 12, "minute": 6, "second": 41}
